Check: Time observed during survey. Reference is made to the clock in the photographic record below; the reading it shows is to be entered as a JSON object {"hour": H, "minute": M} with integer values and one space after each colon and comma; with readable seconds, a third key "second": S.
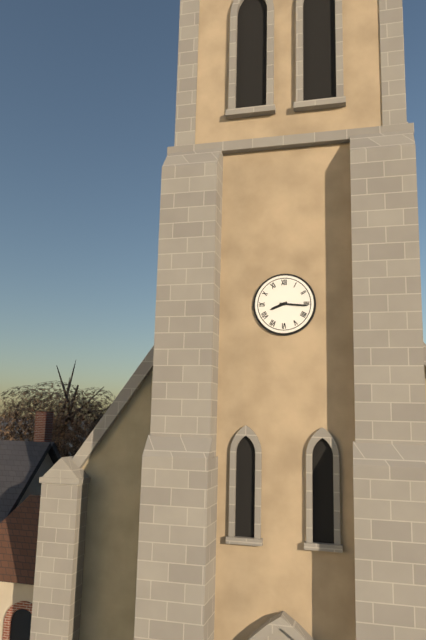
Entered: {"hour": 8, "minute": 16}
